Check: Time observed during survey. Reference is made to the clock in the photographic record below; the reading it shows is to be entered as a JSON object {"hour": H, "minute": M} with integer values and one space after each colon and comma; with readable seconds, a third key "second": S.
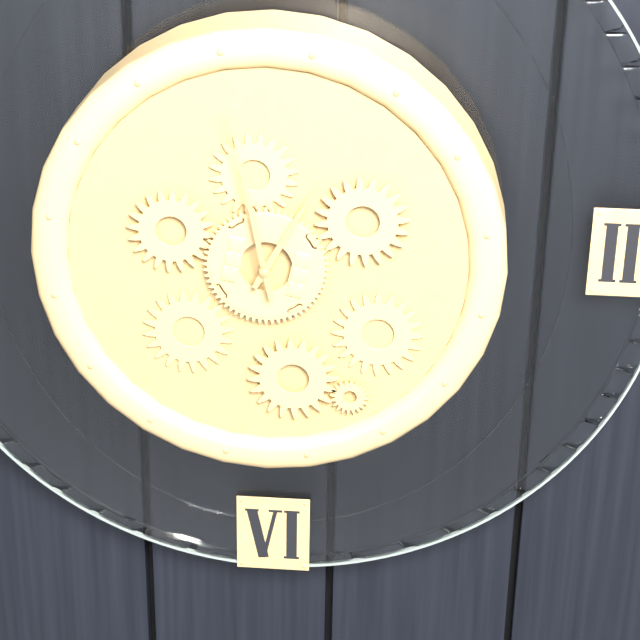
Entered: {"hour": 12, "minute": 58}
